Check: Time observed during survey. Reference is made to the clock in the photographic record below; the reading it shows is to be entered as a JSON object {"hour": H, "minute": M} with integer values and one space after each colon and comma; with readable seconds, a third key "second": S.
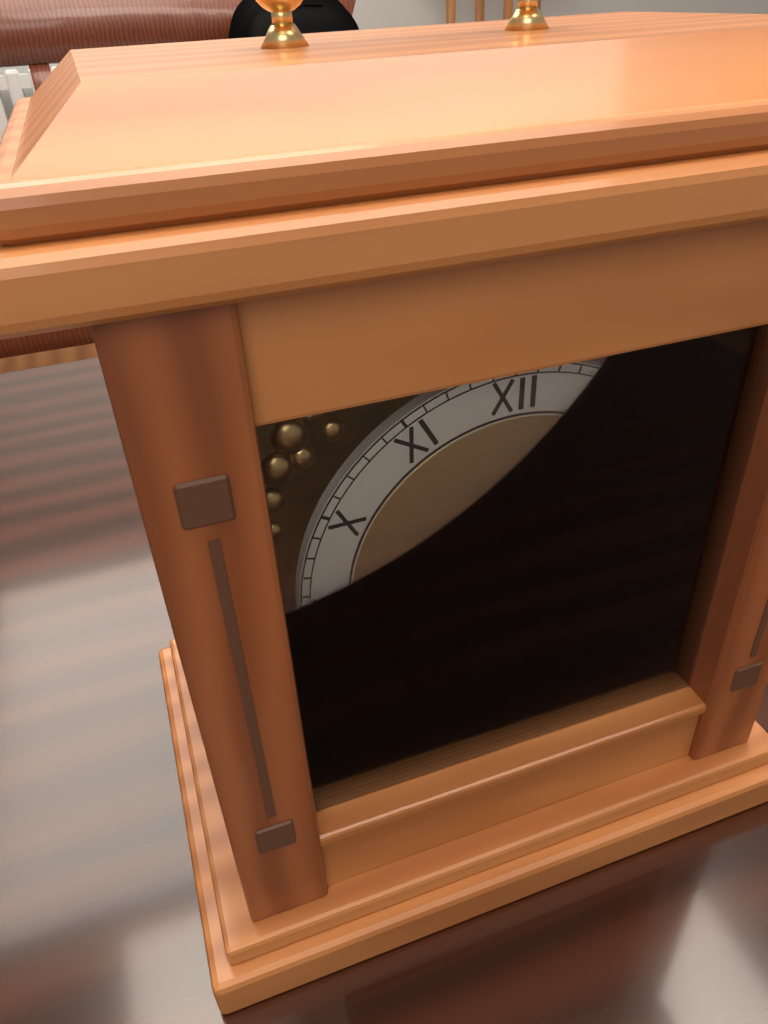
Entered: {"hour": 7, "minute": 22}
